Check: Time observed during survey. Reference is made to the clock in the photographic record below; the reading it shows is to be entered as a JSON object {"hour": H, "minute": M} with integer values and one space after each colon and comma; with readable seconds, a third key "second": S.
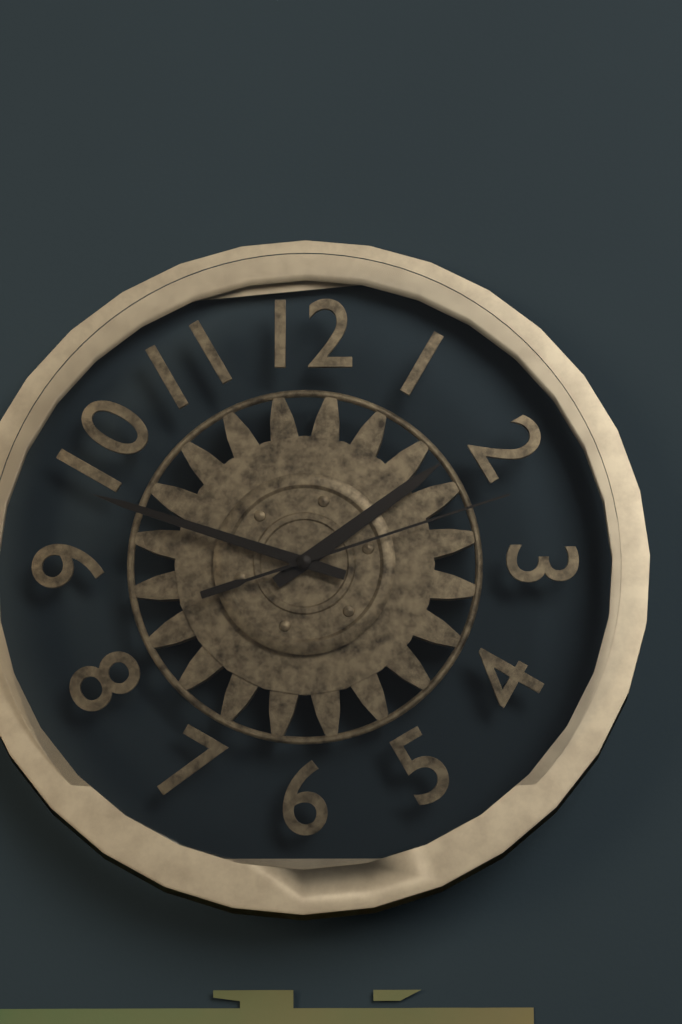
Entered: {"hour": 1, "minute": 48, "second": 12}
